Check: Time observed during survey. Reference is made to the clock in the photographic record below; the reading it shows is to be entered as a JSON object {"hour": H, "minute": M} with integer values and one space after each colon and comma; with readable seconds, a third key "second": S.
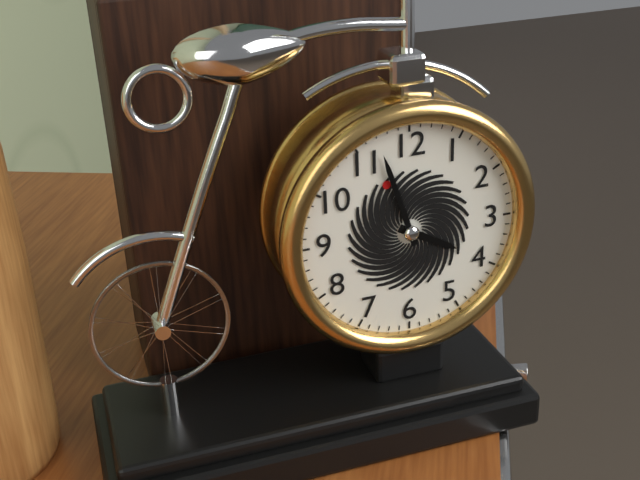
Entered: {"hour": 3, "minute": 57}
